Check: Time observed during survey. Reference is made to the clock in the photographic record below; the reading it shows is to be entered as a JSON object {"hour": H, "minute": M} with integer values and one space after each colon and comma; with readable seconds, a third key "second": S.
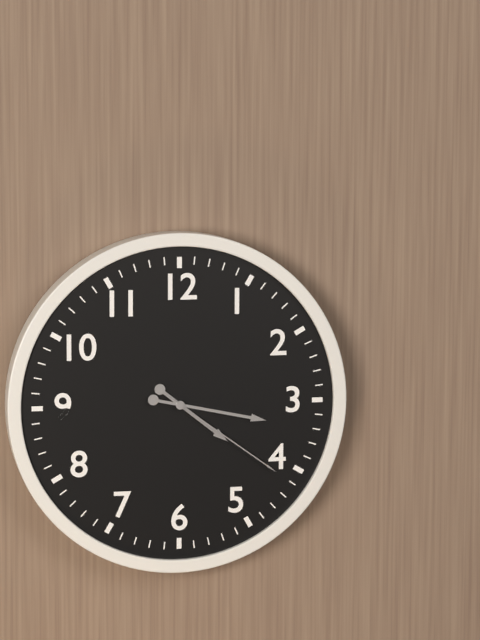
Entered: {"hour": 4, "minute": 17, "second": 21}
